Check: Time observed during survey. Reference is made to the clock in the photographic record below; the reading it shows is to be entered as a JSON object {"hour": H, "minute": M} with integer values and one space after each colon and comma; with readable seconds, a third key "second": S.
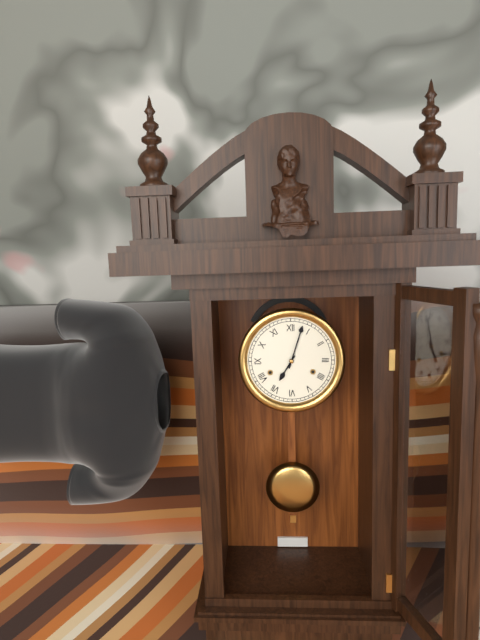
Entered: {"hour": 7, "minute": 3}
